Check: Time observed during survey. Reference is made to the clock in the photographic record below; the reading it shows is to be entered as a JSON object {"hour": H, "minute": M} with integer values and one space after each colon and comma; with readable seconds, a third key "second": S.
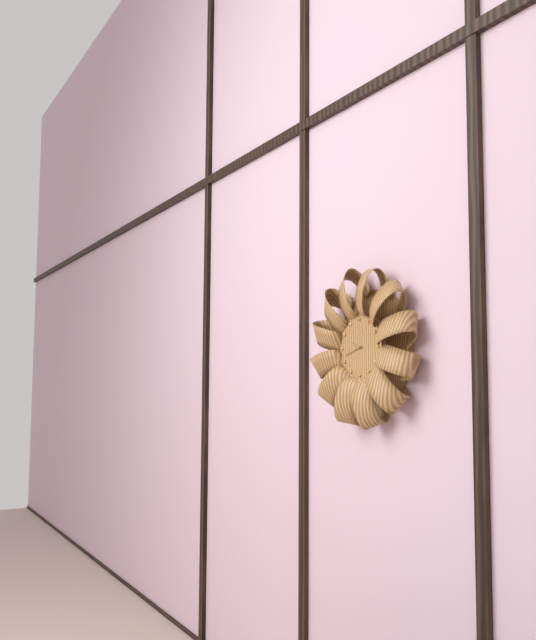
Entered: {"hour": 9, "minute": 42}
